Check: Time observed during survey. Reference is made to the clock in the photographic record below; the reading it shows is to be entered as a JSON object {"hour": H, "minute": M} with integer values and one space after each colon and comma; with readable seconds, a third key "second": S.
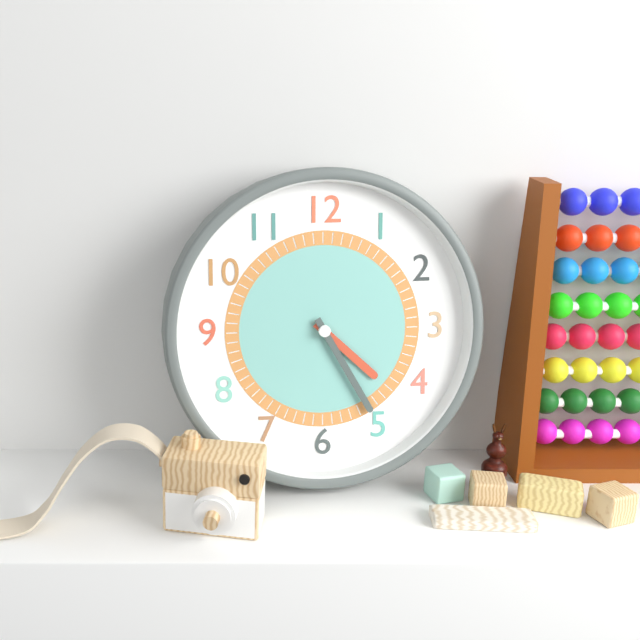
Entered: {"hour": 4, "minute": 25}
